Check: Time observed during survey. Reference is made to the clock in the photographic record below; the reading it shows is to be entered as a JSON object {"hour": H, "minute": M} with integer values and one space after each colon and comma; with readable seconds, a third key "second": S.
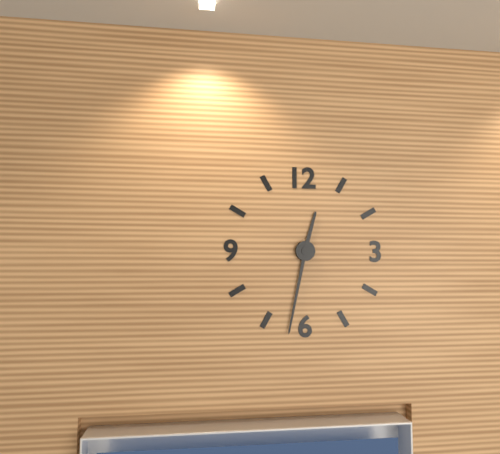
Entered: {"hour": 12, "minute": 32}
